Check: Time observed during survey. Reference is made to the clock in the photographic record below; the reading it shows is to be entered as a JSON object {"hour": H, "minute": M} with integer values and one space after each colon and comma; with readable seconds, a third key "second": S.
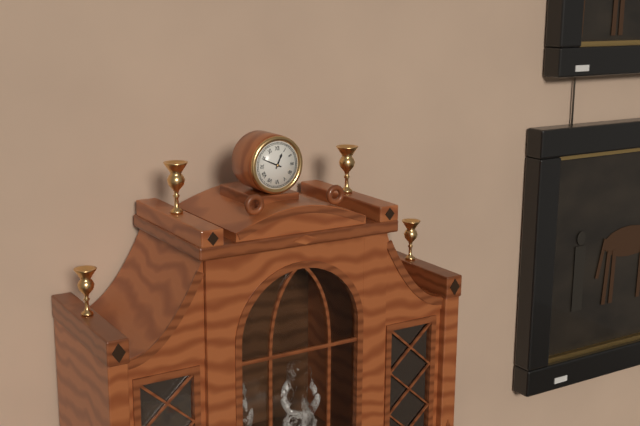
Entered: {"hour": 12, "minute": 49}
